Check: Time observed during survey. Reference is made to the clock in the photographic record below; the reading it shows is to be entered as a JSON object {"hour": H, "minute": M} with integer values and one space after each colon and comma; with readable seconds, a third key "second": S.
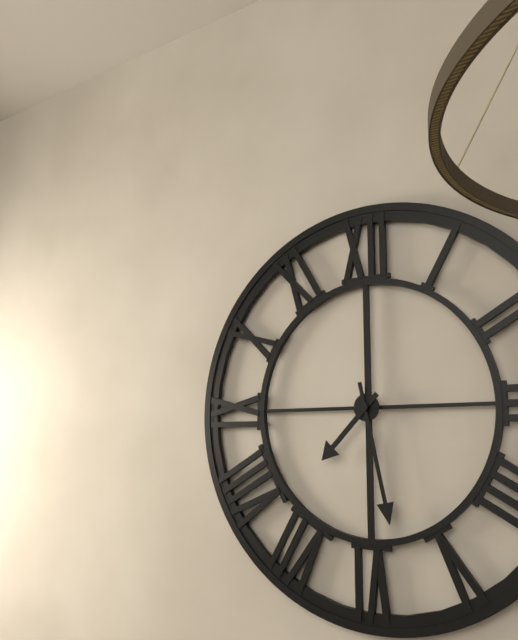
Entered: {"hour": 7, "minute": 28}
